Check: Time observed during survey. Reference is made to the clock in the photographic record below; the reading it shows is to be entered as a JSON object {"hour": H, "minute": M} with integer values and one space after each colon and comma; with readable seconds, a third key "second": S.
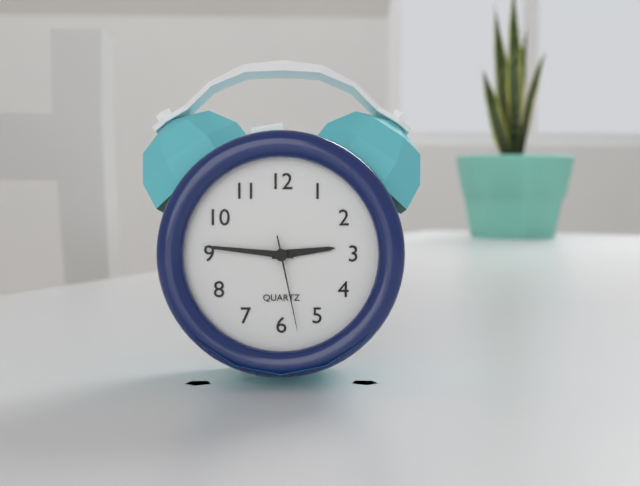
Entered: {"hour": 2, "minute": 46, "second": 28}
